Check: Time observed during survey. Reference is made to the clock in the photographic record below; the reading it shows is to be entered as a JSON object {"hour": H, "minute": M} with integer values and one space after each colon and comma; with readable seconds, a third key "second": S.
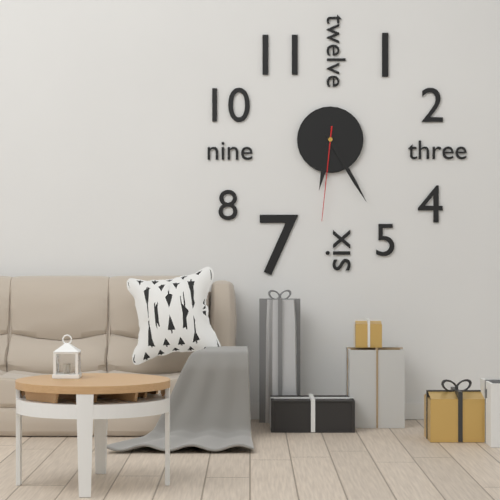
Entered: {"hour": 6, "minute": 25, "second": 31}
